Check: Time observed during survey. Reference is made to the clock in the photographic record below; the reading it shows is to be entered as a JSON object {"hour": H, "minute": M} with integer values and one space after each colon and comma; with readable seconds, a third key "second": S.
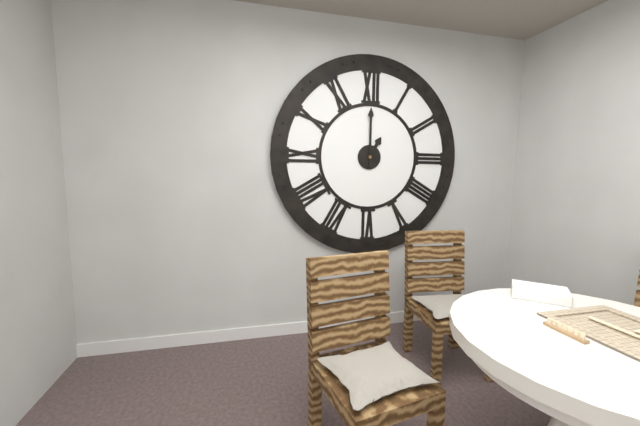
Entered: {"hour": 1, "minute": 0}
